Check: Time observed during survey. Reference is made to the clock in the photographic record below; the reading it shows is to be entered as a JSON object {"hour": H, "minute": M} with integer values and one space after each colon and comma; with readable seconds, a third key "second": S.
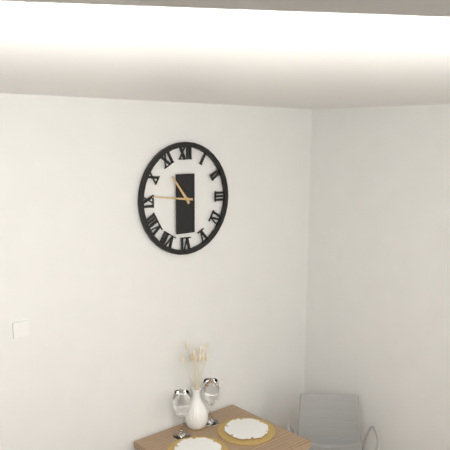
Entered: {"hour": 10, "minute": 46}
